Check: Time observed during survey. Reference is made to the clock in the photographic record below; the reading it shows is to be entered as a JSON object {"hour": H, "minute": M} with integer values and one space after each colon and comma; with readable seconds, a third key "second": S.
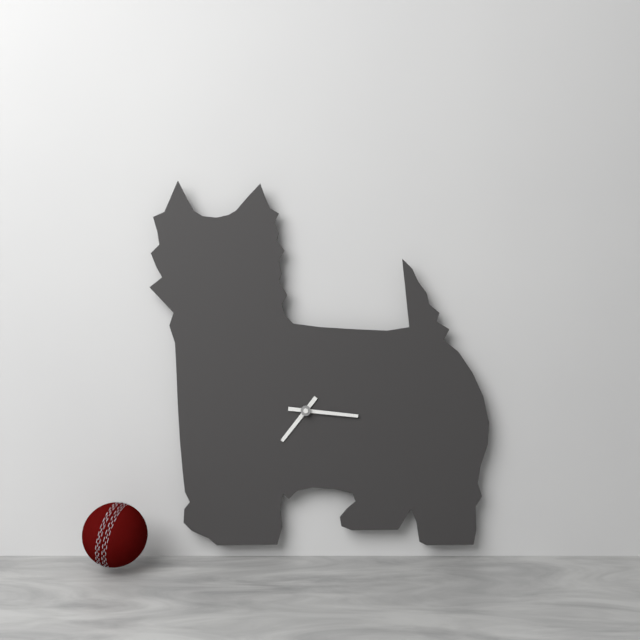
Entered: {"hour": 7, "minute": 16}
